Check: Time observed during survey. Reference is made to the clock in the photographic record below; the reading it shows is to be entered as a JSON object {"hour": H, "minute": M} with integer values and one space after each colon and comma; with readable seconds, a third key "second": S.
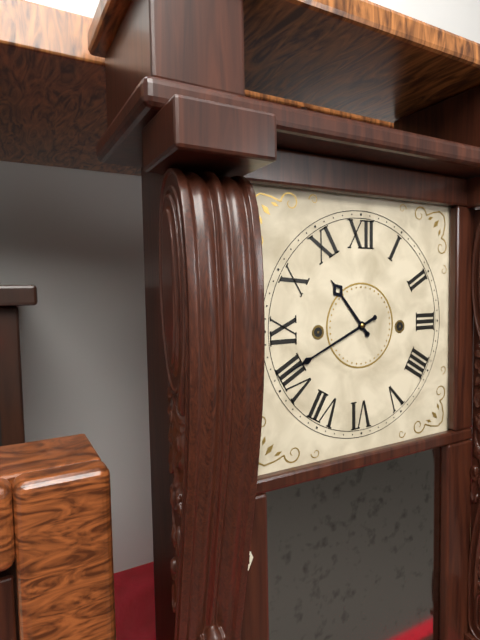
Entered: {"hour": 10, "minute": 41}
